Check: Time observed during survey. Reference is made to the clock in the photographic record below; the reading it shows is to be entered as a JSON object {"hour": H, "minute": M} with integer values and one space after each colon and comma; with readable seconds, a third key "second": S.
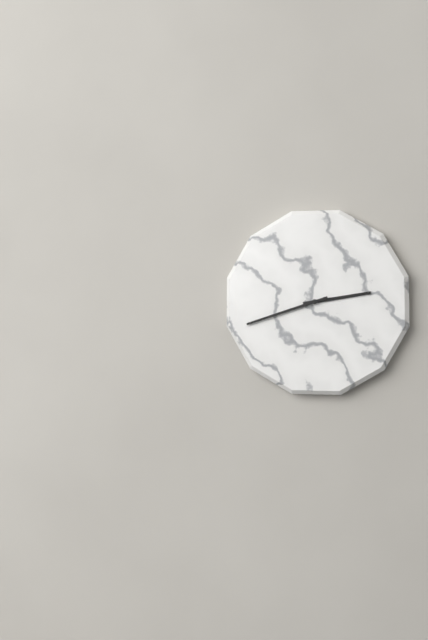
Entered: {"hour": 2, "minute": 42}
